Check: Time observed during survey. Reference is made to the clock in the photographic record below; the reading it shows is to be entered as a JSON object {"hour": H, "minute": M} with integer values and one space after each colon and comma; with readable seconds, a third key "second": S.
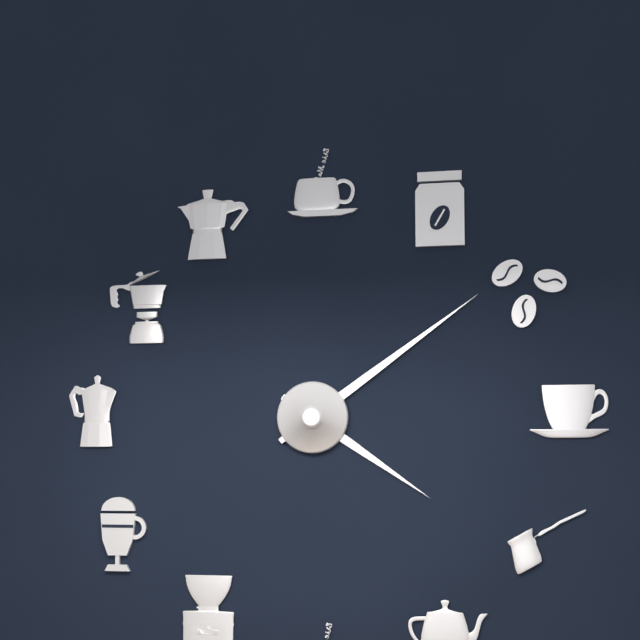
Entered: {"hour": 4, "minute": 9}
